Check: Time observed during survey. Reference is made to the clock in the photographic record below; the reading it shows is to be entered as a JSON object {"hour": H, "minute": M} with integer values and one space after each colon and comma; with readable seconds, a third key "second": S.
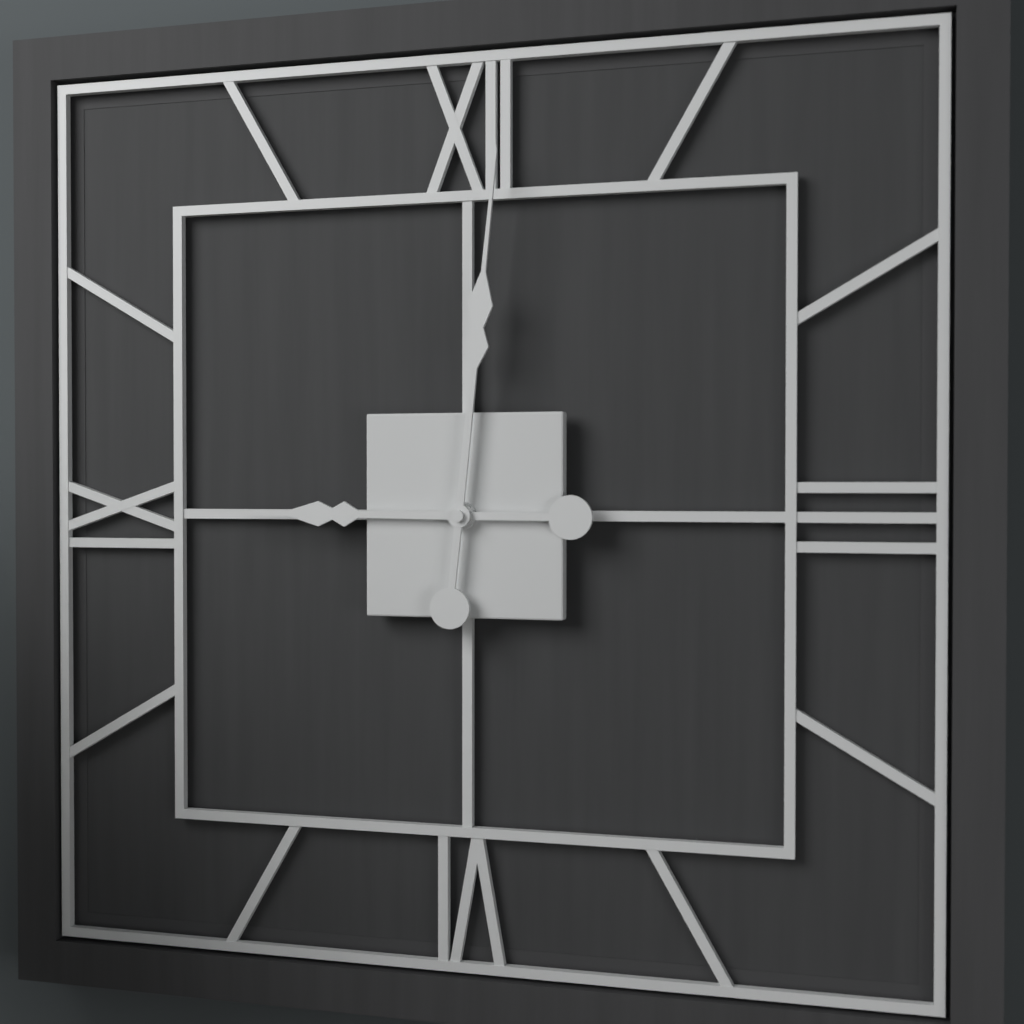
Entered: {"hour": 9, "minute": 1}
